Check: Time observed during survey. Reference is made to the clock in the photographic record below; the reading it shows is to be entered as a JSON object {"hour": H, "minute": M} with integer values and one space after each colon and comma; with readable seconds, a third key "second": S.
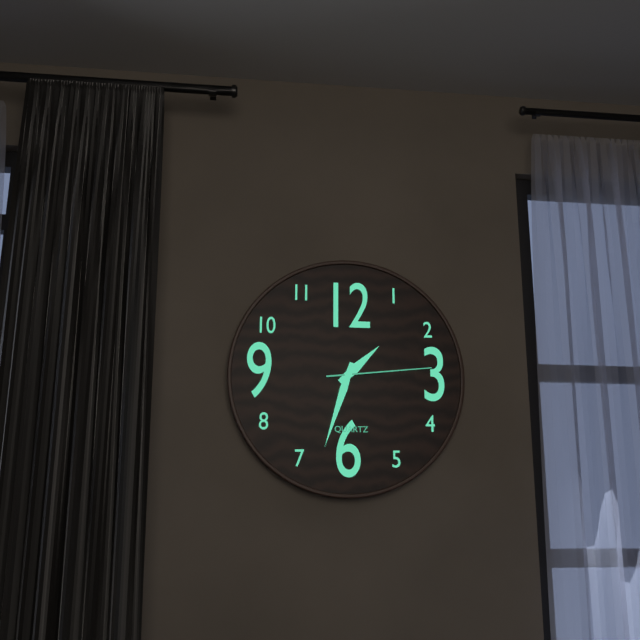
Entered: {"hour": 1, "minute": 33, "second": 14}
